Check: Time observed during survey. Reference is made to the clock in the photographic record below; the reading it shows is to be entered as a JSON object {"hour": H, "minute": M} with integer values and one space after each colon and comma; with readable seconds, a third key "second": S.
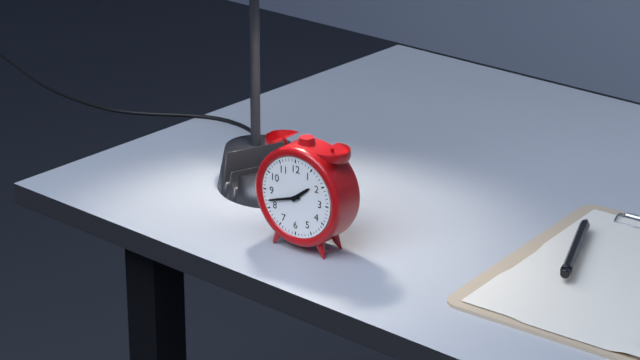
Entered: {"hour": 1, "minute": 42}
